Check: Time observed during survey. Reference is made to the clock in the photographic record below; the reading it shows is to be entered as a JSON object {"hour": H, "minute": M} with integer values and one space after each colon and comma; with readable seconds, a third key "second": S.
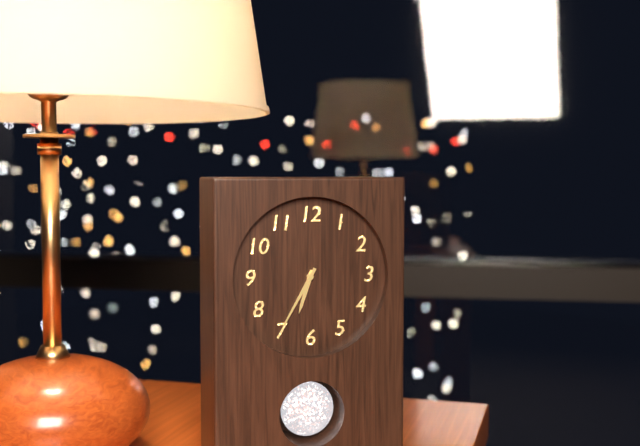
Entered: {"hour": 6, "minute": 35}
